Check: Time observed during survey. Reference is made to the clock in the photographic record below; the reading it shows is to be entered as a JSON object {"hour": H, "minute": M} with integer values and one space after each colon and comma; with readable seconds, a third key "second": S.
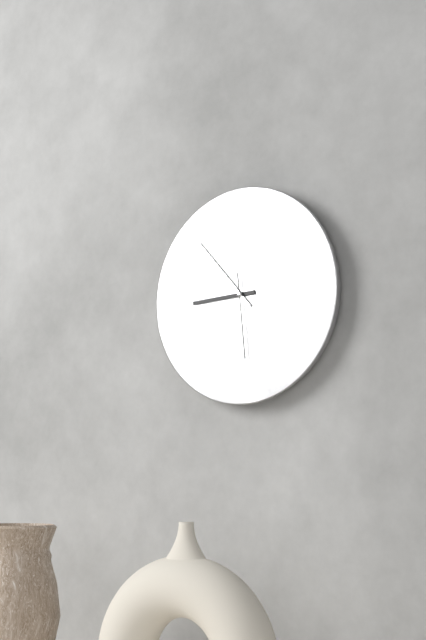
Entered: {"hour": 8, "minute": 53, "second": 29}
